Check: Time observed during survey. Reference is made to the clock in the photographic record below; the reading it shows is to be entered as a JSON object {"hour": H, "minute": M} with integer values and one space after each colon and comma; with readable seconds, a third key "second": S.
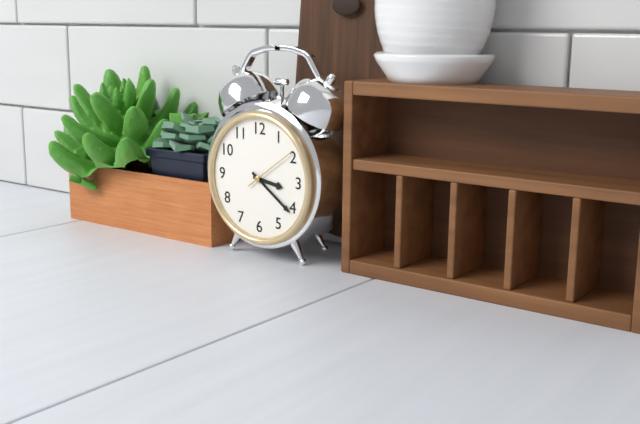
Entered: {"hour": 3, "minute": 21, "second": 9}
